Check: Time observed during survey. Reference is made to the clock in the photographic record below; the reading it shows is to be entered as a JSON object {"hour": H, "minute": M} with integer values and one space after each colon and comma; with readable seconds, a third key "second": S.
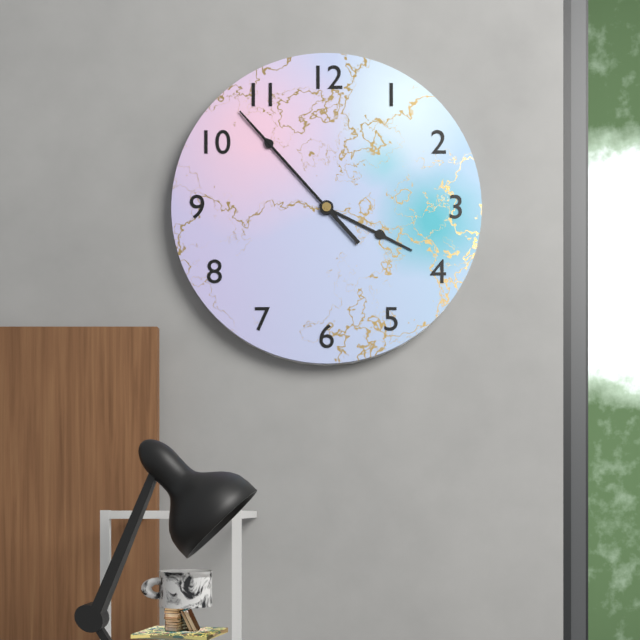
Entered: {"hour": 3, "minute": 53, "second": 53}
